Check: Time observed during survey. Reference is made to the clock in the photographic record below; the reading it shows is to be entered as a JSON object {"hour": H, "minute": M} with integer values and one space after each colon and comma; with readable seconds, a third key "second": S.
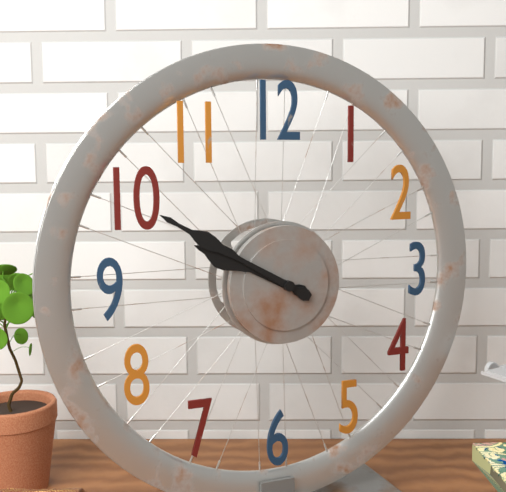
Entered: {"hour": 9, "minute": 50}
